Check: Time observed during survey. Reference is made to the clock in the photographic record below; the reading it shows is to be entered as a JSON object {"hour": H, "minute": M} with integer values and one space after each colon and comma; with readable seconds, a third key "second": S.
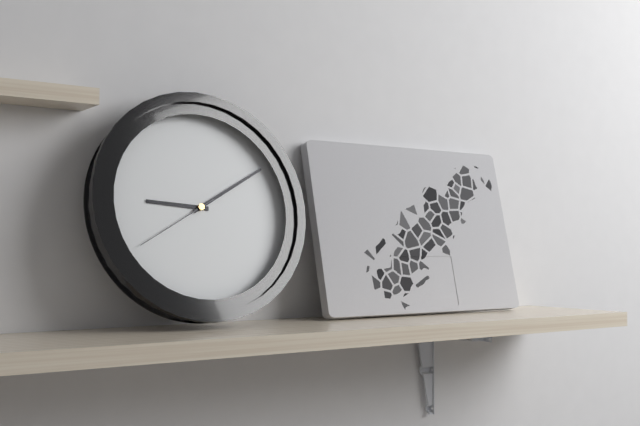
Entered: {"hour": 9, "minute": 10, "second": 40}
